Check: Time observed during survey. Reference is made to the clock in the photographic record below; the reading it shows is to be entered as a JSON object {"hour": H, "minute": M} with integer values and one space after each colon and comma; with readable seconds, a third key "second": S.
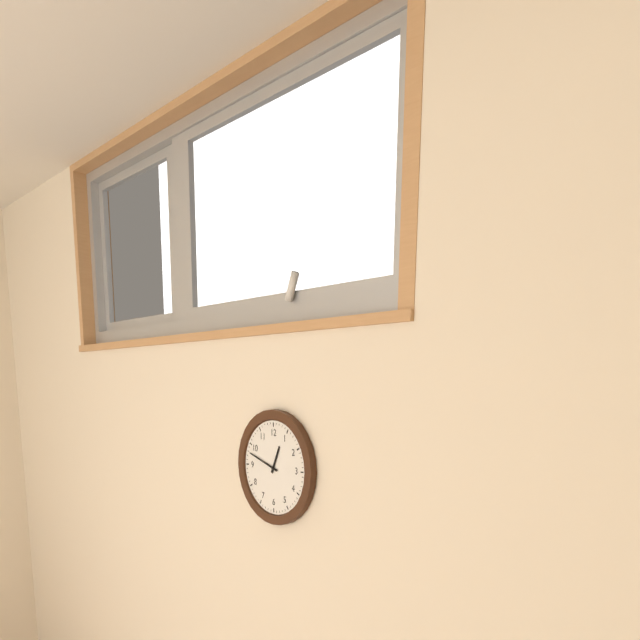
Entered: {"hour": 12, "minute": 48}
